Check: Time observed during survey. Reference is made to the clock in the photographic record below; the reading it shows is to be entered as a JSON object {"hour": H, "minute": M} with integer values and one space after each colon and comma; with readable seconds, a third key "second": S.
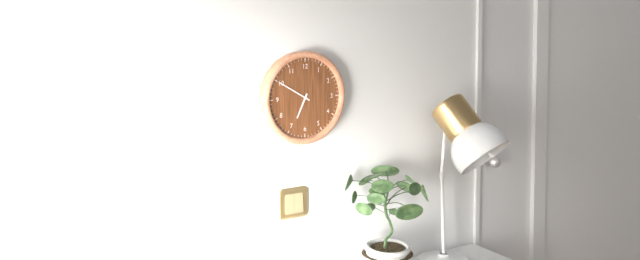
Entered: {"hour": 6, "minute": 50}
